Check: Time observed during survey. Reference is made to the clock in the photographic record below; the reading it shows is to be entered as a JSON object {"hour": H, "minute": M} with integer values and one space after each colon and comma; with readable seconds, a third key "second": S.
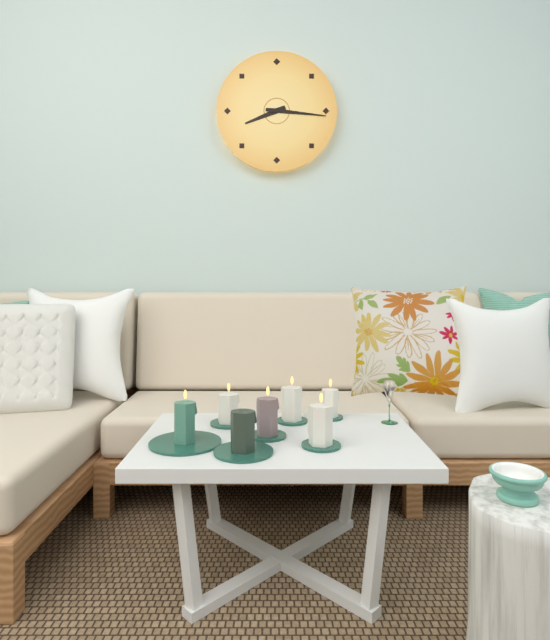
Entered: {"hour": 8, "minute": 16}
